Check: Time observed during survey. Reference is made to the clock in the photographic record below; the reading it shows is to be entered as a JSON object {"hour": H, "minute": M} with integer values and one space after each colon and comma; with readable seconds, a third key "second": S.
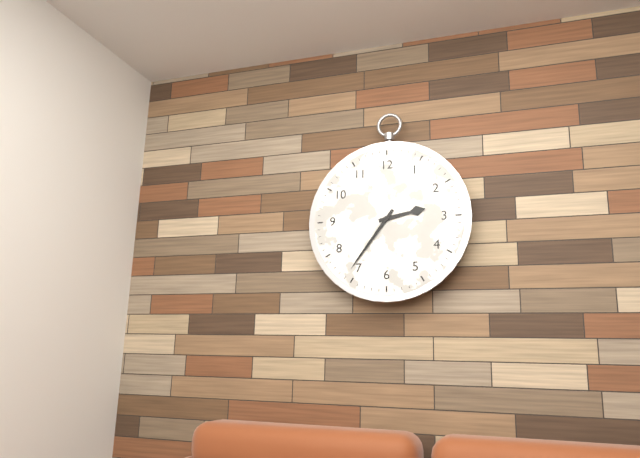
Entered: {"hour": 2, "minute": 36}
